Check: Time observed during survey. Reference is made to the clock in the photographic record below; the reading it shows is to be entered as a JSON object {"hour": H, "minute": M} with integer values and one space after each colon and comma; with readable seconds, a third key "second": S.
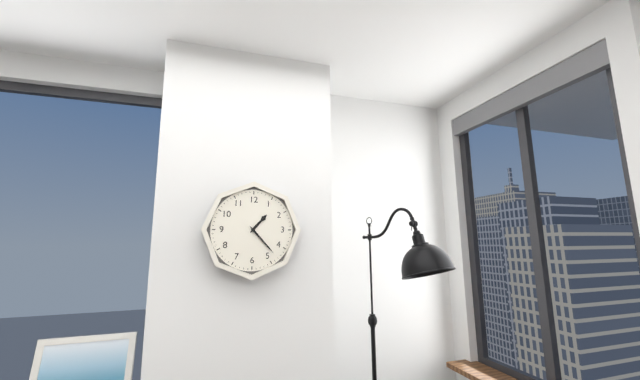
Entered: {"hour": 1, "minute": 23}
